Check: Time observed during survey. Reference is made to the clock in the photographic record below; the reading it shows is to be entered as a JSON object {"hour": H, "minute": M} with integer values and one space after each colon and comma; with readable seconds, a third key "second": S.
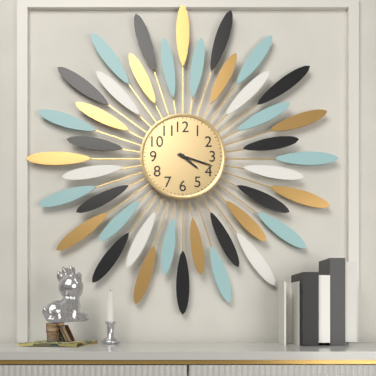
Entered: {"hour": 4, "minute": 18}
